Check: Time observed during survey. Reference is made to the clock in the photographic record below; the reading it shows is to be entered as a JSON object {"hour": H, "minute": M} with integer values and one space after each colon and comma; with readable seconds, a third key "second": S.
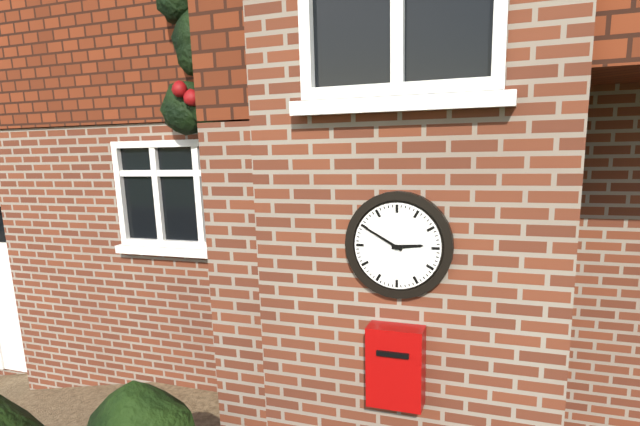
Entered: {"hour": 2, "minute": 50}
